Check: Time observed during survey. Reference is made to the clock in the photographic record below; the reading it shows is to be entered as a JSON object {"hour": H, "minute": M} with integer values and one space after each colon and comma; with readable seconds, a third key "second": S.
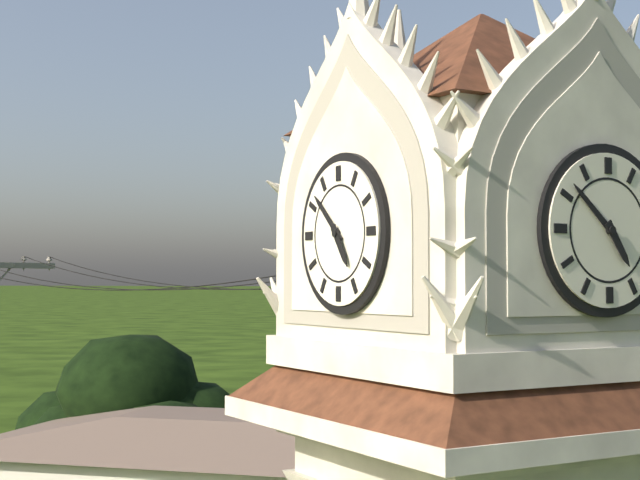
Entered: {"hour": 4, "minute": 52}
